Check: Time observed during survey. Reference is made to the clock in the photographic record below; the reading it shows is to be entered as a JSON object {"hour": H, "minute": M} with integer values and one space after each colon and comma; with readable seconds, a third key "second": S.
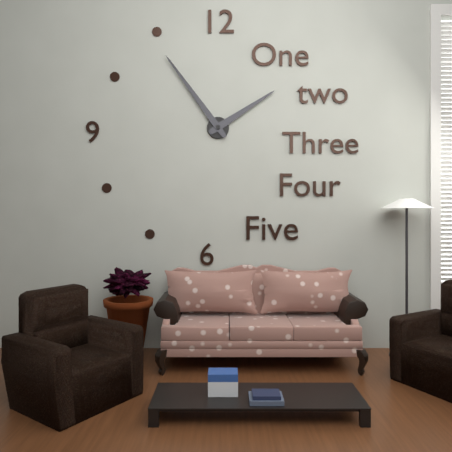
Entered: {"hour": 1, "minute": 54}
